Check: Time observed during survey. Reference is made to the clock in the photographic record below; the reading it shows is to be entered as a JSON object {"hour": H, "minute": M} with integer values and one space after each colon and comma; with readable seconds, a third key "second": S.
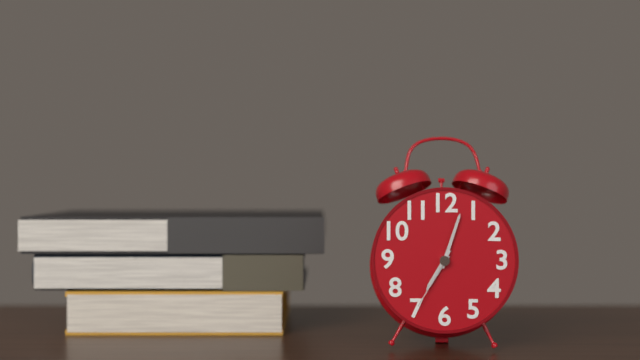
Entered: {"hour": 7, "minute": 3, "second": 35}
